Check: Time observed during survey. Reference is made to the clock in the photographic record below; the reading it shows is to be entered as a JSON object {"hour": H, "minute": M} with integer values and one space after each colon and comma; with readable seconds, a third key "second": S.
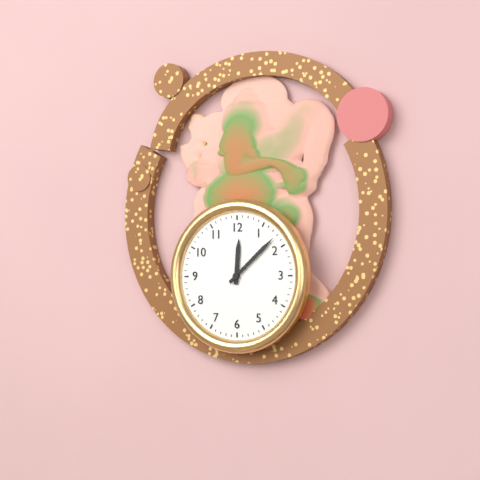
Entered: {"hour": 12, "minute": 8}
